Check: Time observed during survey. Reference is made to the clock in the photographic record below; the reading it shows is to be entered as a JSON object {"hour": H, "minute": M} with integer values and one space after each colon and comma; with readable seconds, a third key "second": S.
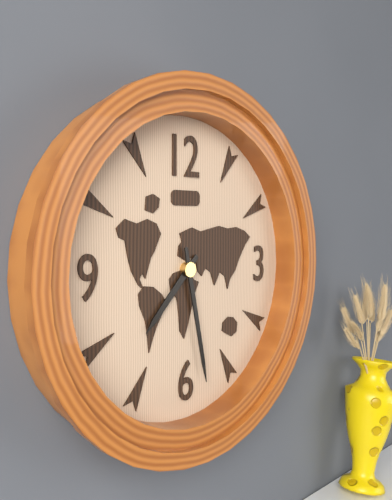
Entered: {"hour": 7, "minute": 28}
